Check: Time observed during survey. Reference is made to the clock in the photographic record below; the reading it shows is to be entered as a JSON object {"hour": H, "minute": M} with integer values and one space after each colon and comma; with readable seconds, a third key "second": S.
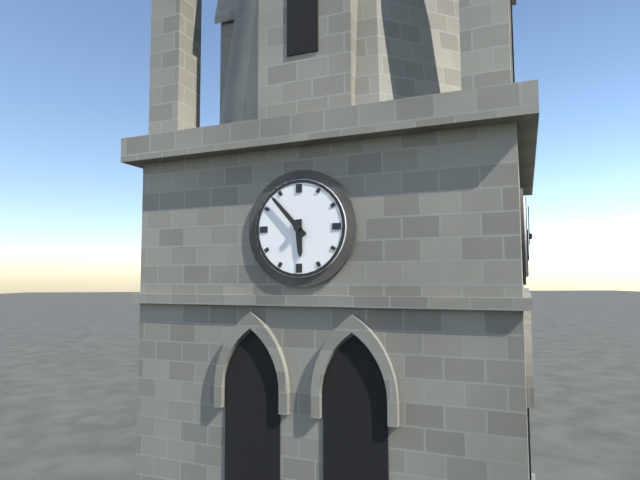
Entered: {"hour": 5, "minute": 53}
